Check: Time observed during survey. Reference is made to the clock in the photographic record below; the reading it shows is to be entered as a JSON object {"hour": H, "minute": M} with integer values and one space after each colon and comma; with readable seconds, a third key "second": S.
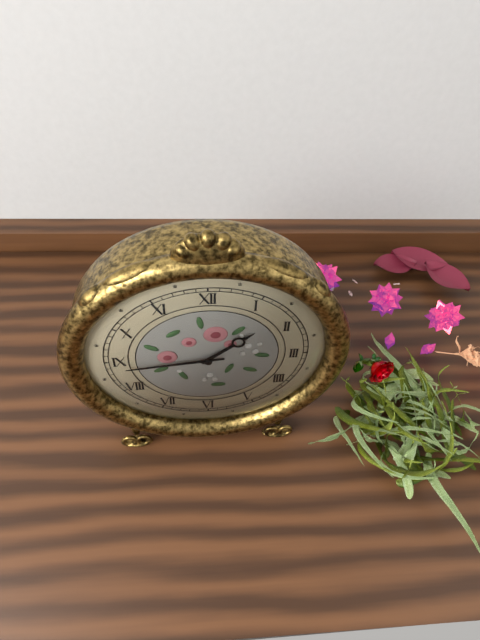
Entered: {"hour": 1, "minute": 44}
